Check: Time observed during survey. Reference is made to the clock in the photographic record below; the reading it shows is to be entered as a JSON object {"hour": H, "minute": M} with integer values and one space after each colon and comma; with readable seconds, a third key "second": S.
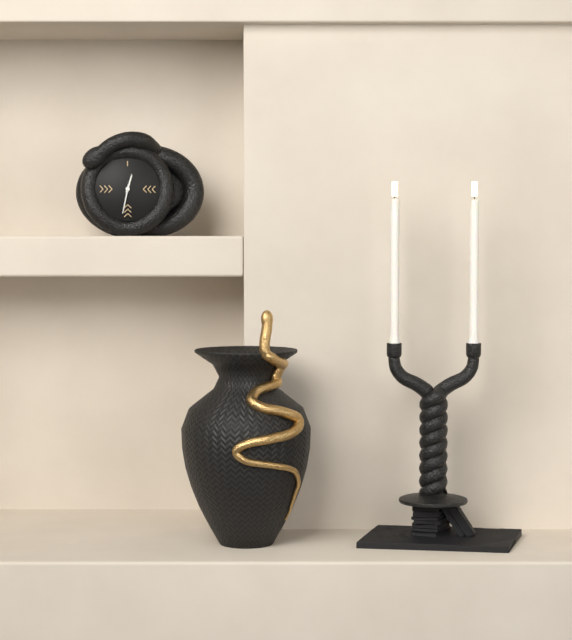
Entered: {"hour": 12, "minute": 32}
